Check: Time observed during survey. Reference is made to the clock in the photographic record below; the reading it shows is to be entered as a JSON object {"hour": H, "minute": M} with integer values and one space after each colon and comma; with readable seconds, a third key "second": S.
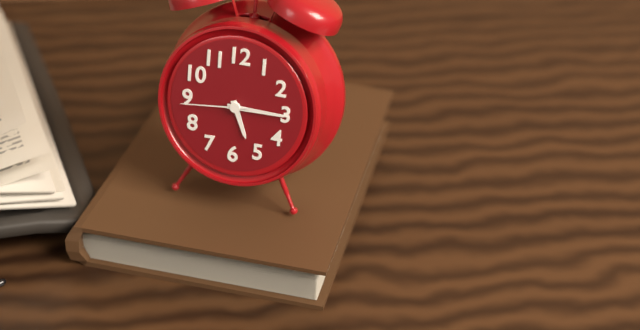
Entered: {"hour": 5, "minute": 15, "second": 44}
